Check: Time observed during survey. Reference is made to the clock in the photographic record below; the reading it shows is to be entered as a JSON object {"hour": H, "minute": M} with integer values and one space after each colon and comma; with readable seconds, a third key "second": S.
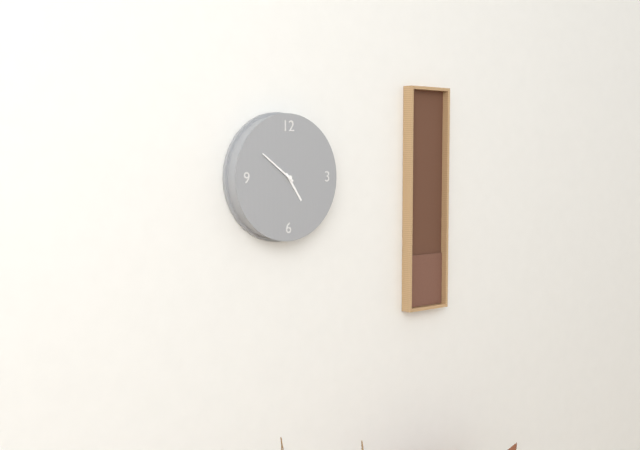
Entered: {"hour": 4, "minute": 51}
